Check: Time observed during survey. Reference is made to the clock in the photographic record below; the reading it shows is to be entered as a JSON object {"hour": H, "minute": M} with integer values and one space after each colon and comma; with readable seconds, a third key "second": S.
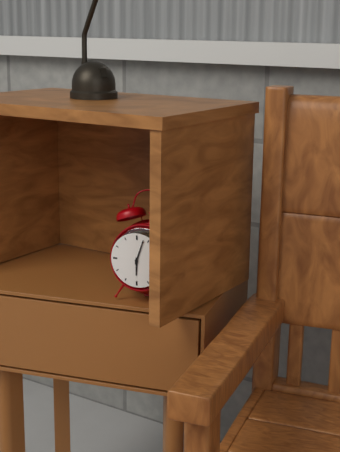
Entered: {"hour": 6, "minute": 3}
